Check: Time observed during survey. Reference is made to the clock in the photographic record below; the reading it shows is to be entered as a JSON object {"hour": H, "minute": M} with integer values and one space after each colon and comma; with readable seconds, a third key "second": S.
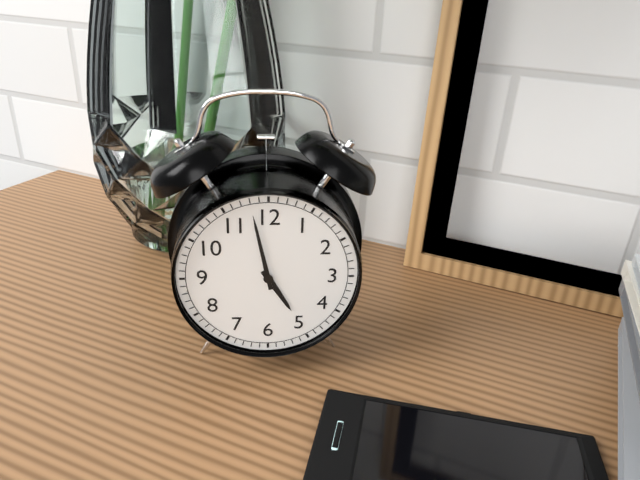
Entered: {"hour": 4, "minute": 58}
